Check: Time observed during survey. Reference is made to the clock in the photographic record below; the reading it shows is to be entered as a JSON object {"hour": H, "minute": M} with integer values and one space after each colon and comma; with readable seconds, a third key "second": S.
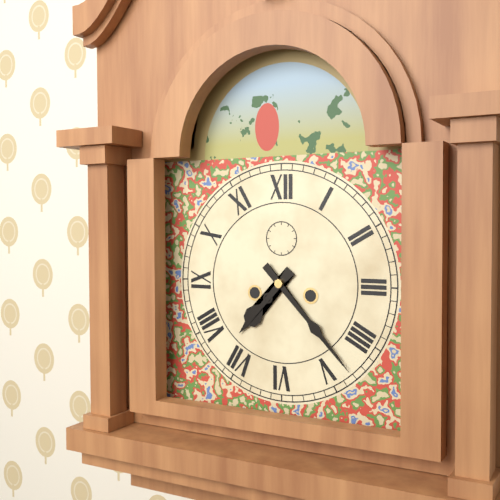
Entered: {"hour": 7, "minute": 23}
